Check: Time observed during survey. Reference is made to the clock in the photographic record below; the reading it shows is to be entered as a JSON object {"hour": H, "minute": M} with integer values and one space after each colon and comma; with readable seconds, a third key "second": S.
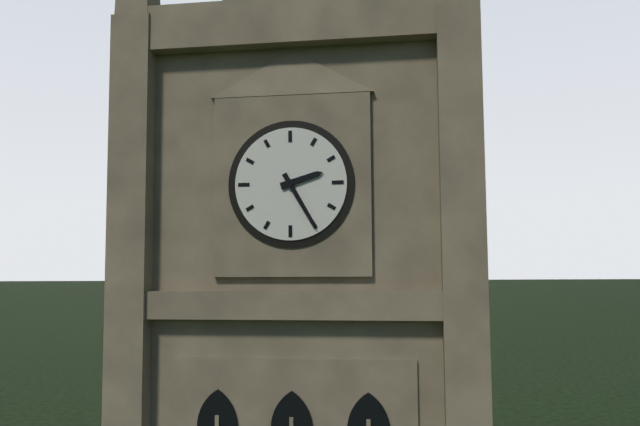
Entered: {"hour": 2, "minute": 25}
